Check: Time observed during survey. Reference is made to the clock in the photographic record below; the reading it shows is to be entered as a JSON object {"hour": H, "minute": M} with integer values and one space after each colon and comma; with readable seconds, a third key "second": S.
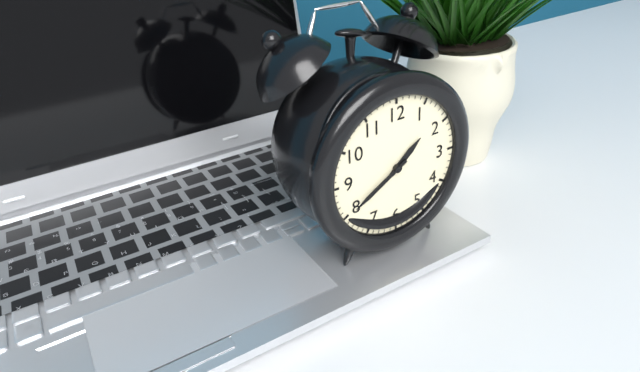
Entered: {"hour": 1, "minute": 40}
